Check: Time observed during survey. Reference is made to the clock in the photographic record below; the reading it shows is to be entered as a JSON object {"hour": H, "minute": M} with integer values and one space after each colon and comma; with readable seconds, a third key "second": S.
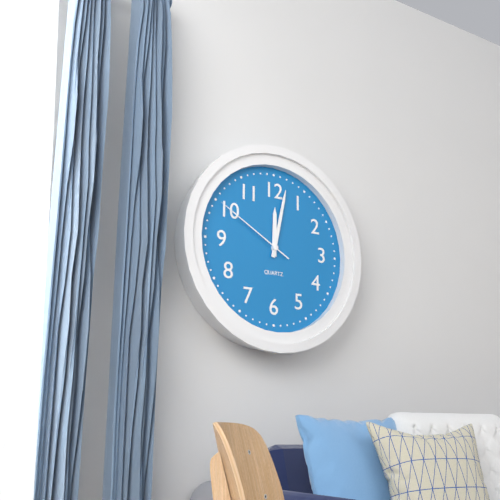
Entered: {"hour": 12, "minute": 2, "second": 50}
